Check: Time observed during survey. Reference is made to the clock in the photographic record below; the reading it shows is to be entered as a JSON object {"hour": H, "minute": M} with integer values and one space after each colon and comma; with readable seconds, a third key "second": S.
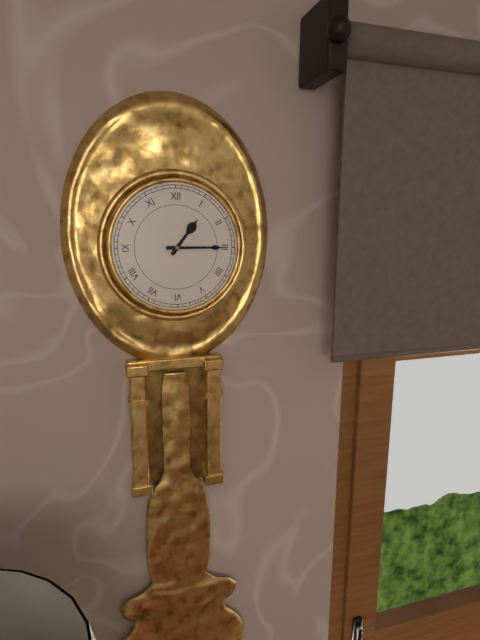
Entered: {"hour": 1, "minute": 15}
